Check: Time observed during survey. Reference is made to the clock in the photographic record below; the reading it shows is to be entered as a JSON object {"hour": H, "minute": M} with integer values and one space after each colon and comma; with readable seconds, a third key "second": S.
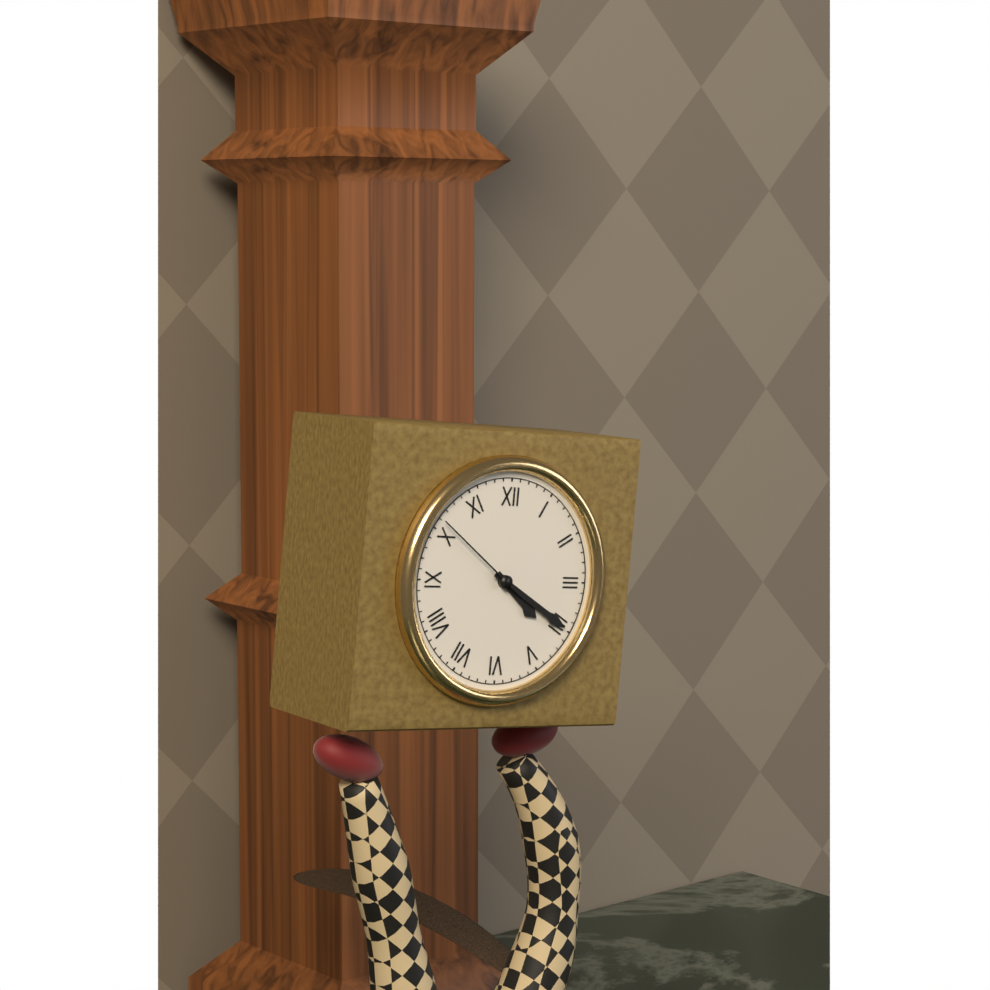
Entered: {"hour": 4, "minute": 20, "second": 51}
